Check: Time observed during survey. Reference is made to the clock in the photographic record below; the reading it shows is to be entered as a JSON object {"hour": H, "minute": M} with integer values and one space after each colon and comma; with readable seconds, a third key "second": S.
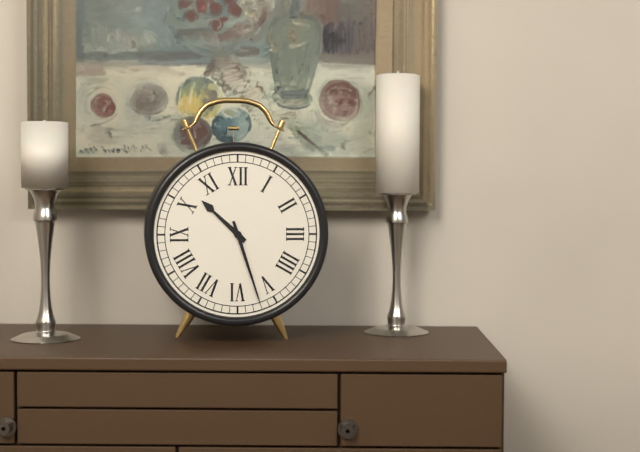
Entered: {"hour": 10, "minute": 27}
